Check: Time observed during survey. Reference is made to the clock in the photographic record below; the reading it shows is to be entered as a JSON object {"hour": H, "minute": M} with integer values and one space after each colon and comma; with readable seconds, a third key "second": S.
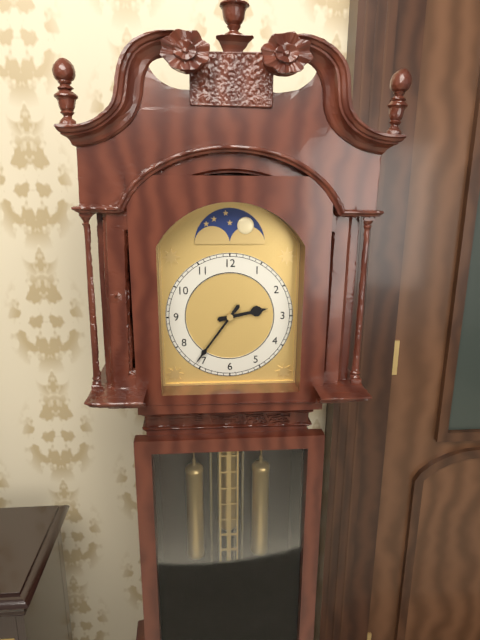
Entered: {"hour": 2, "minute": 36}
